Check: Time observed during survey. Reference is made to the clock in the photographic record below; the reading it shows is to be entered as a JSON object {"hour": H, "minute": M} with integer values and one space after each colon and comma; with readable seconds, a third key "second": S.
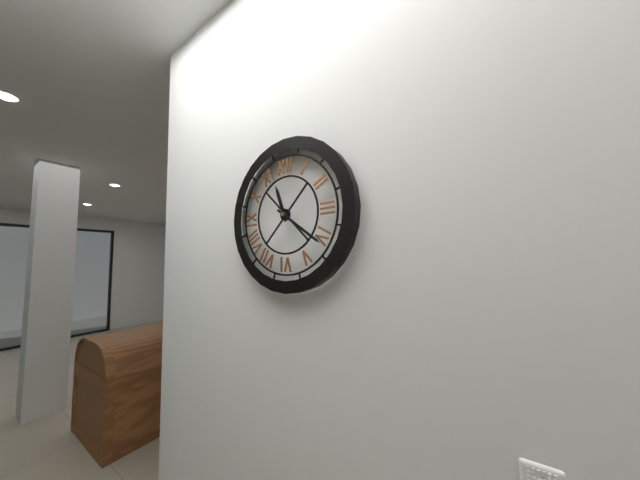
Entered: {"hour": 11, "minute": 21}
